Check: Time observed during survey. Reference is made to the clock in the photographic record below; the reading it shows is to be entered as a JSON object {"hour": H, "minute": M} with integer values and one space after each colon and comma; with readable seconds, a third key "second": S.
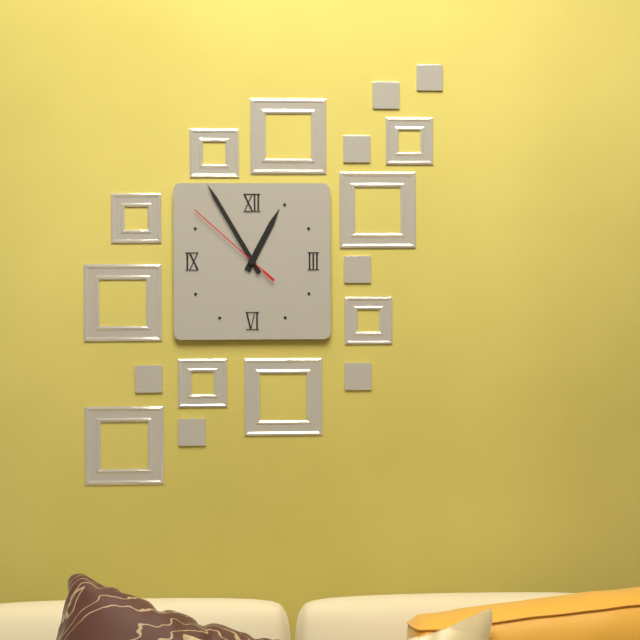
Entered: {"hour": 12, "minute": 55, "second": 52}
